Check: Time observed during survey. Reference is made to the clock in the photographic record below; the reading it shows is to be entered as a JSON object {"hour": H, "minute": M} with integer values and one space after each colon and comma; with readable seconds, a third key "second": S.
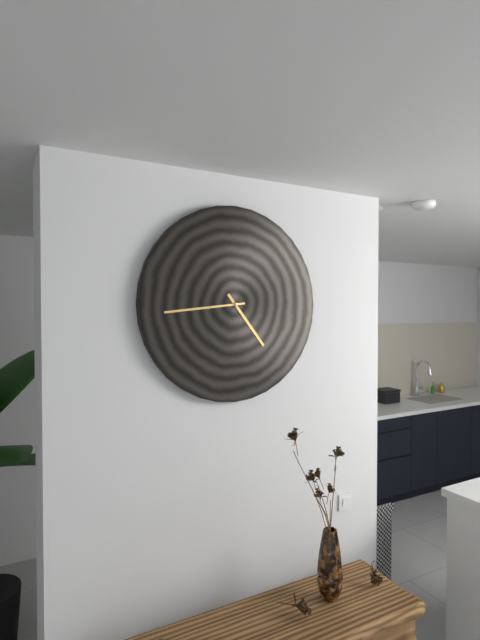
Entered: {"hour": 4, "minute": 44}
